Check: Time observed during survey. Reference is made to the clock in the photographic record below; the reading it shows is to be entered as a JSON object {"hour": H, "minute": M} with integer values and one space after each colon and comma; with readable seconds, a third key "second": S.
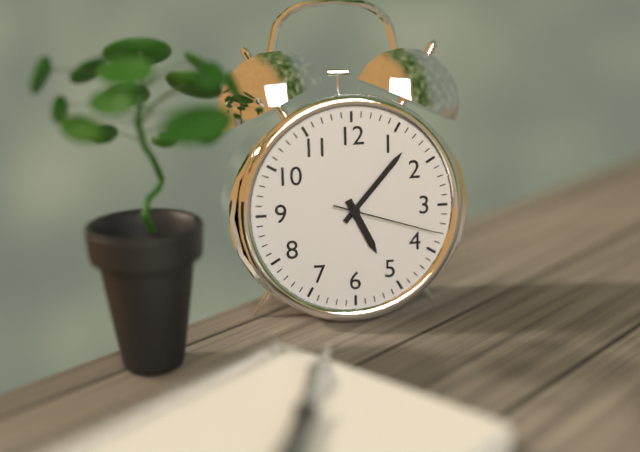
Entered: {"hour": 5, "minute": 7, "second": 18}
